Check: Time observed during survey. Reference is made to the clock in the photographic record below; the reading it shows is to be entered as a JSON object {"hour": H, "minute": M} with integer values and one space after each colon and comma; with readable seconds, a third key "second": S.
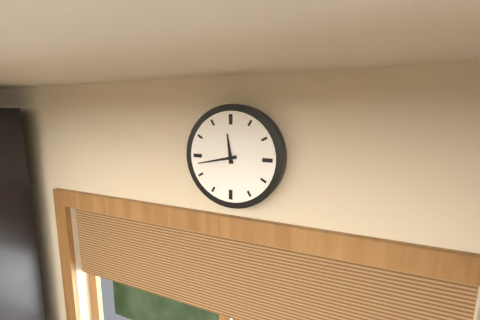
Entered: {"hour": 11, "minute": 43}
